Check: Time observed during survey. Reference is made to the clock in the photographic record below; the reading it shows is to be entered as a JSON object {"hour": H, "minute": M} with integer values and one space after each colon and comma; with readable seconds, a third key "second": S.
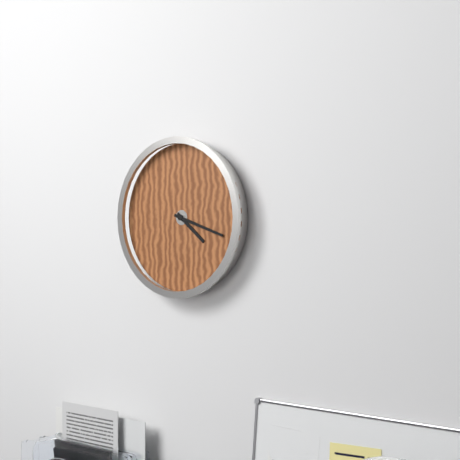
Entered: {"hour": 4, "minute": 18}
